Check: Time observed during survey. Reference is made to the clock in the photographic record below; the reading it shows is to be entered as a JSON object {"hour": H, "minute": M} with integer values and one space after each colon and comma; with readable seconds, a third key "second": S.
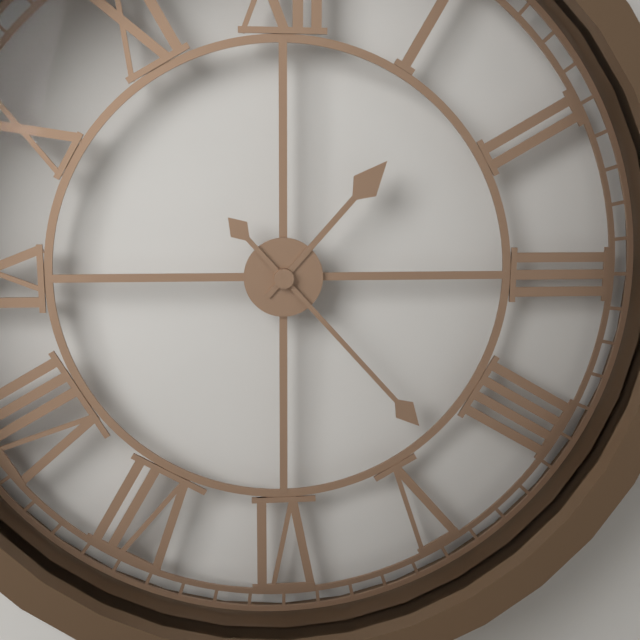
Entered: {"hour": 1, "minute": 23}
